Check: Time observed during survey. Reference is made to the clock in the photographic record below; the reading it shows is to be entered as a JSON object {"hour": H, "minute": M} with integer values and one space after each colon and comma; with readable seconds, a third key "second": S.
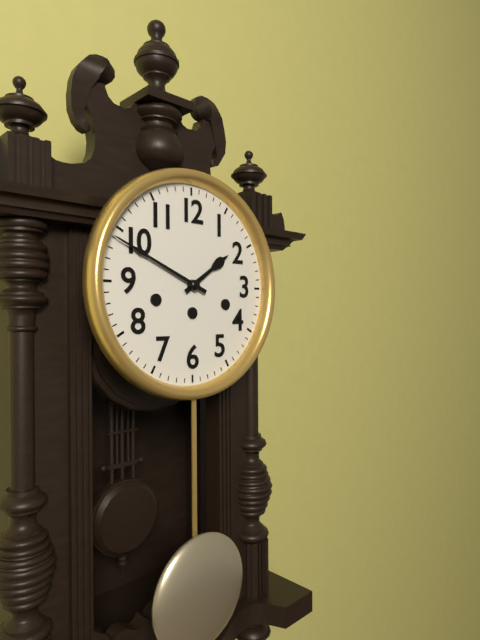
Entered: {"hour": 1, "minute": 49}
